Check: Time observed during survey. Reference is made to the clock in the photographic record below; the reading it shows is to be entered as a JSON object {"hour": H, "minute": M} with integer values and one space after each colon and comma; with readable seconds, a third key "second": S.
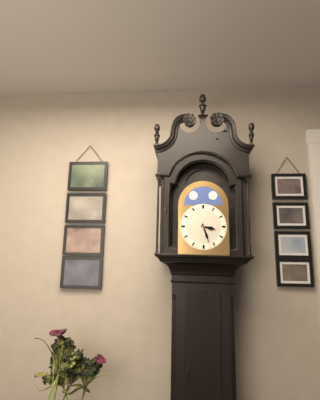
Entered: {"hour": 3, "minute": 27}
